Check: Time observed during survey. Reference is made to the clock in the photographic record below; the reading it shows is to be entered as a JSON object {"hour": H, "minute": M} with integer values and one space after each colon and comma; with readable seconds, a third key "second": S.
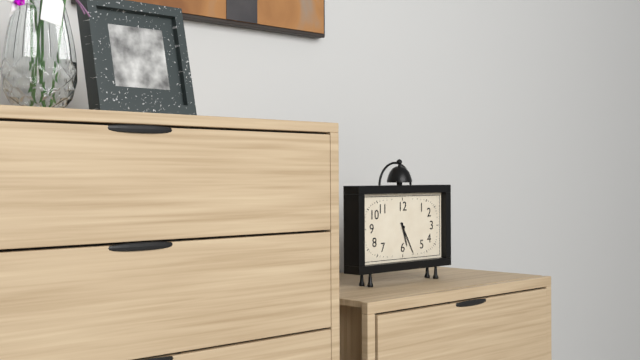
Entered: {"hour": 5, "minute": 25}
